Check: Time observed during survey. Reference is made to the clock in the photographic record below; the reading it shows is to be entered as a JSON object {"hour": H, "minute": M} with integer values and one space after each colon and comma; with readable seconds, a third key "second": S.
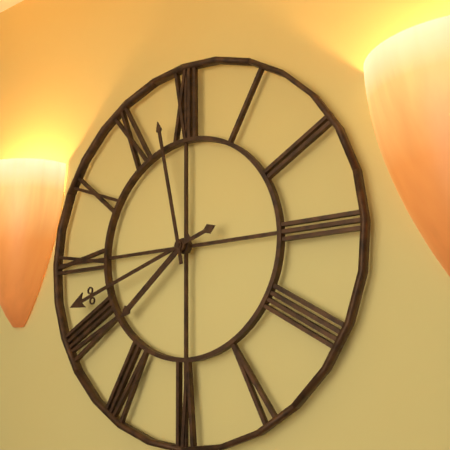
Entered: {"hour": 7, "minute": 42, "second": 58}
